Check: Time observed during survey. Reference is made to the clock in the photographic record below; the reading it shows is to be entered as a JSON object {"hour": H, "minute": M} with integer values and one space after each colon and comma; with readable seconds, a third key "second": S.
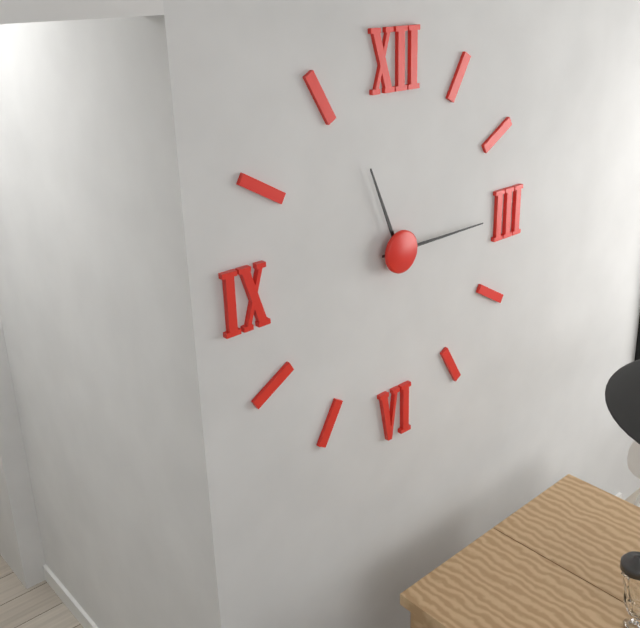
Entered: {"hour": 11, "minute": 15}
